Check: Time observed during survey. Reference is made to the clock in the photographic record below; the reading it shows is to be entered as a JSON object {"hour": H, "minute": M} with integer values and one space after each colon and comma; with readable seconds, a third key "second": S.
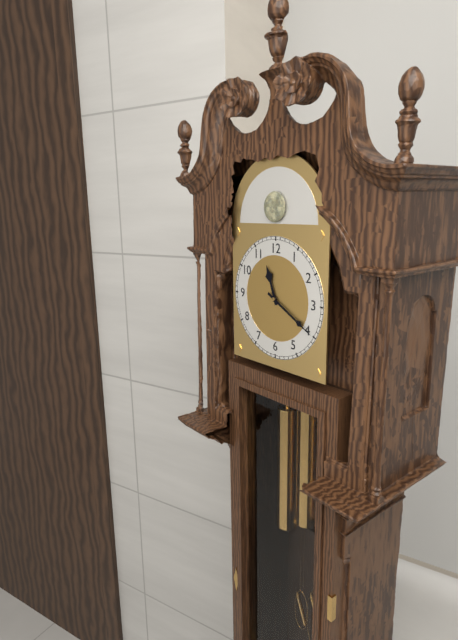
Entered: {"hour": 11, "minute": 20}
